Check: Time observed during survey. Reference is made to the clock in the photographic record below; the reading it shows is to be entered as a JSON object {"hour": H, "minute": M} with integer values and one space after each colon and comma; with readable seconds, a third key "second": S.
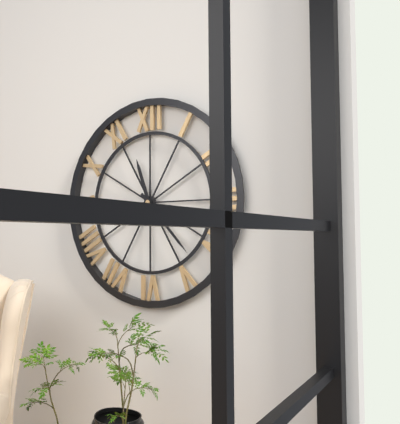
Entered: {"hour": 11, "minute": 23}
